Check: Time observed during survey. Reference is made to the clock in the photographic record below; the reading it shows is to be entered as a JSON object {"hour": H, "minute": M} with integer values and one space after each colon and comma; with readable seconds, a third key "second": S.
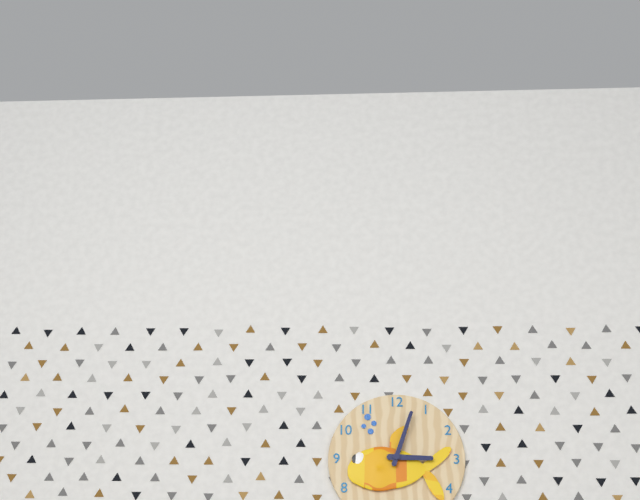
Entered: {"hour": 3, "minute": 3}
